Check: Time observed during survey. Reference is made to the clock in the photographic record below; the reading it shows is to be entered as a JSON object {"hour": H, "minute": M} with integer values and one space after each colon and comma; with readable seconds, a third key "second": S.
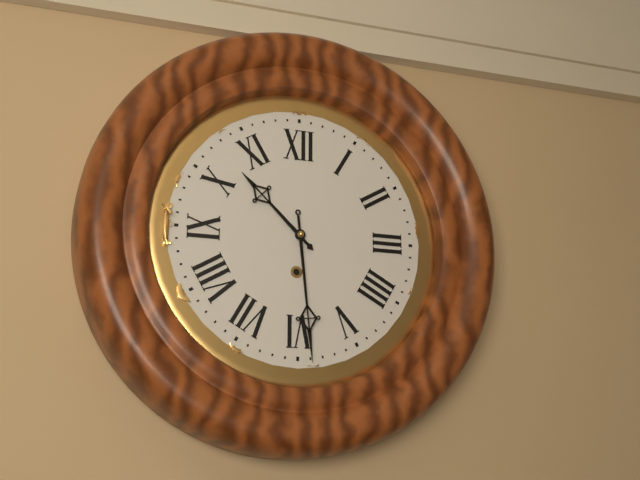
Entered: {"hour": 10, "minute": 29}
